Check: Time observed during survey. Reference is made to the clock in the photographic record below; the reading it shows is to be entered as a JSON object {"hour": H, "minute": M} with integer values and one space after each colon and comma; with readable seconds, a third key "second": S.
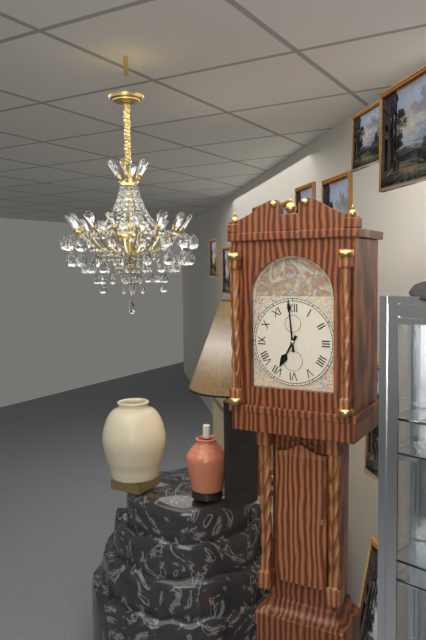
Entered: {"hour": 6, "minute": 59}
